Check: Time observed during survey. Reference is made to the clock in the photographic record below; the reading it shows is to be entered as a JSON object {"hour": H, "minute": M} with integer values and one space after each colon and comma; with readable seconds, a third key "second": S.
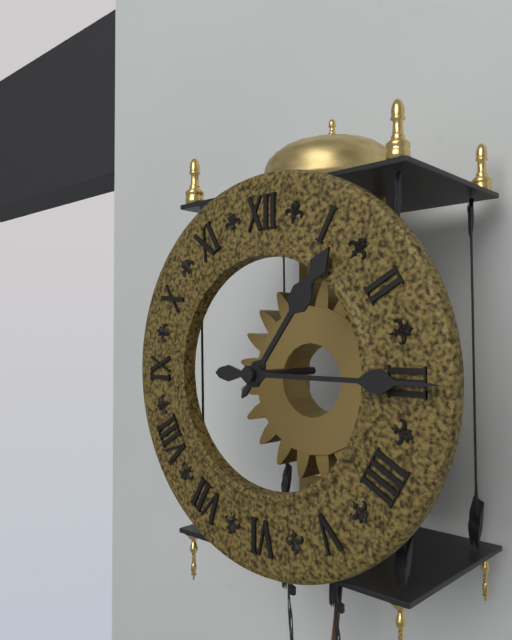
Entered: {"hour": 1, "minute": 15}
